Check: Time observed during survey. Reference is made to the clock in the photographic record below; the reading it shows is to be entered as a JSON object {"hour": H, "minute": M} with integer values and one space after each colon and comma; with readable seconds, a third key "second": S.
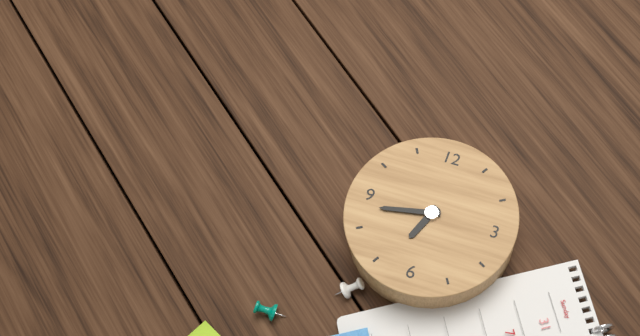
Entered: {"hour": 6, "minute": 43}
